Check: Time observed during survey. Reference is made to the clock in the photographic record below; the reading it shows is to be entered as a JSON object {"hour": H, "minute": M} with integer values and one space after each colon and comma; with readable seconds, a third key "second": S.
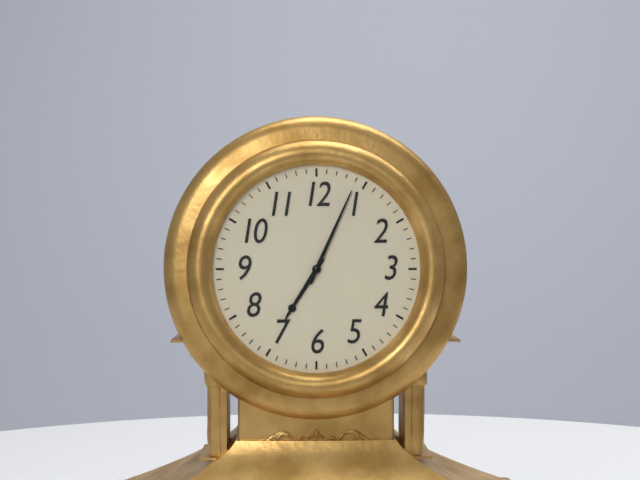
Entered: {"hour": 7, "minute": 4}
